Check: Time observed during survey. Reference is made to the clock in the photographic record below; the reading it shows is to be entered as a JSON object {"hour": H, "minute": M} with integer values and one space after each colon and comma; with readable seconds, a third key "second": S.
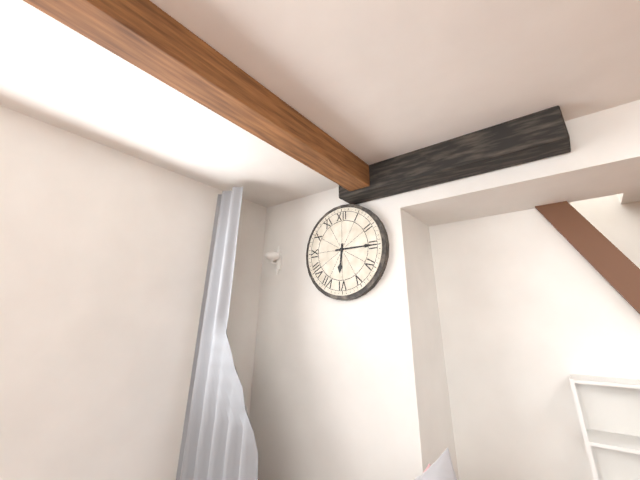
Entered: {"hour": 6, "minute": 15}
